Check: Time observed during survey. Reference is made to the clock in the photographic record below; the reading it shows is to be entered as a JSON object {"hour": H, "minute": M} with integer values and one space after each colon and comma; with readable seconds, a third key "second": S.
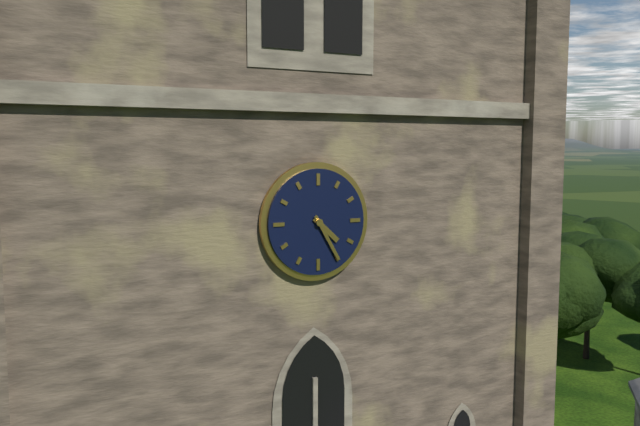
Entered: {"hour": 4, "minute": 25}
